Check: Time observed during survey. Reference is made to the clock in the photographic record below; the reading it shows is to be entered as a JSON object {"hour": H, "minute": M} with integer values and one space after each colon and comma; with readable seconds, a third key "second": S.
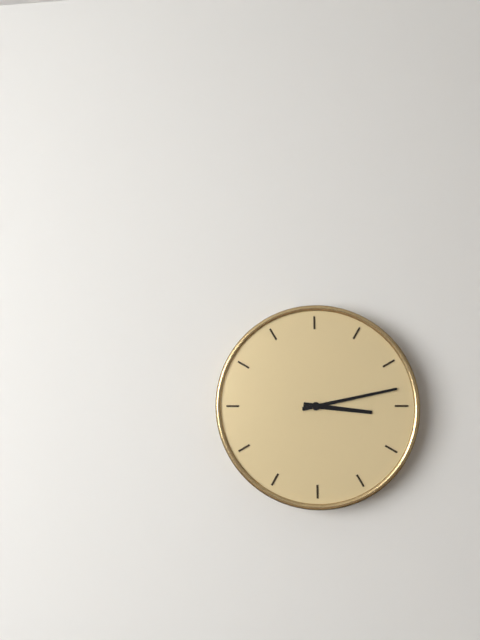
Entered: {"hour": 3, "minute": 13}
